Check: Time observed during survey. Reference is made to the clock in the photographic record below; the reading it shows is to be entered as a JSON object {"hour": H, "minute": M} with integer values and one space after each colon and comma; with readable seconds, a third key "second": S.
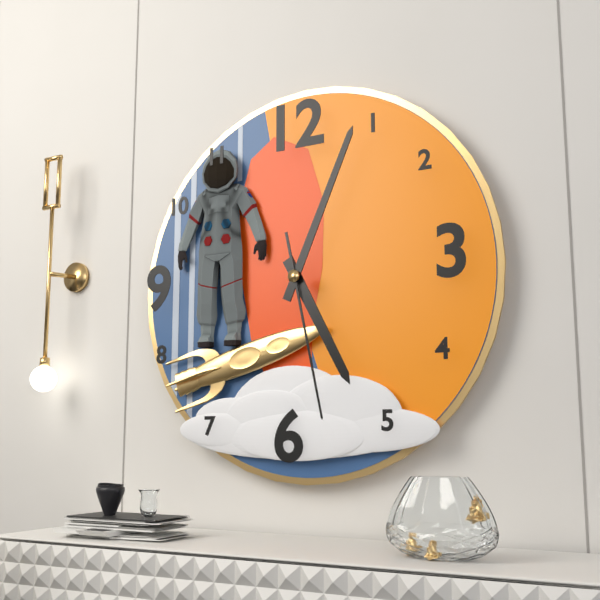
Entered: {"hour": 5, "minute": 4, "second": 28}
